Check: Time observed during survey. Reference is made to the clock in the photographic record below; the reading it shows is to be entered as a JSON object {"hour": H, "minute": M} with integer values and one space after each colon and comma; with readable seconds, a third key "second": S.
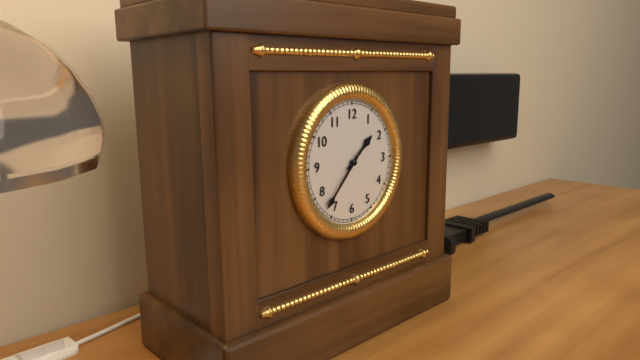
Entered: {"hour": 1, "minute": 37}
